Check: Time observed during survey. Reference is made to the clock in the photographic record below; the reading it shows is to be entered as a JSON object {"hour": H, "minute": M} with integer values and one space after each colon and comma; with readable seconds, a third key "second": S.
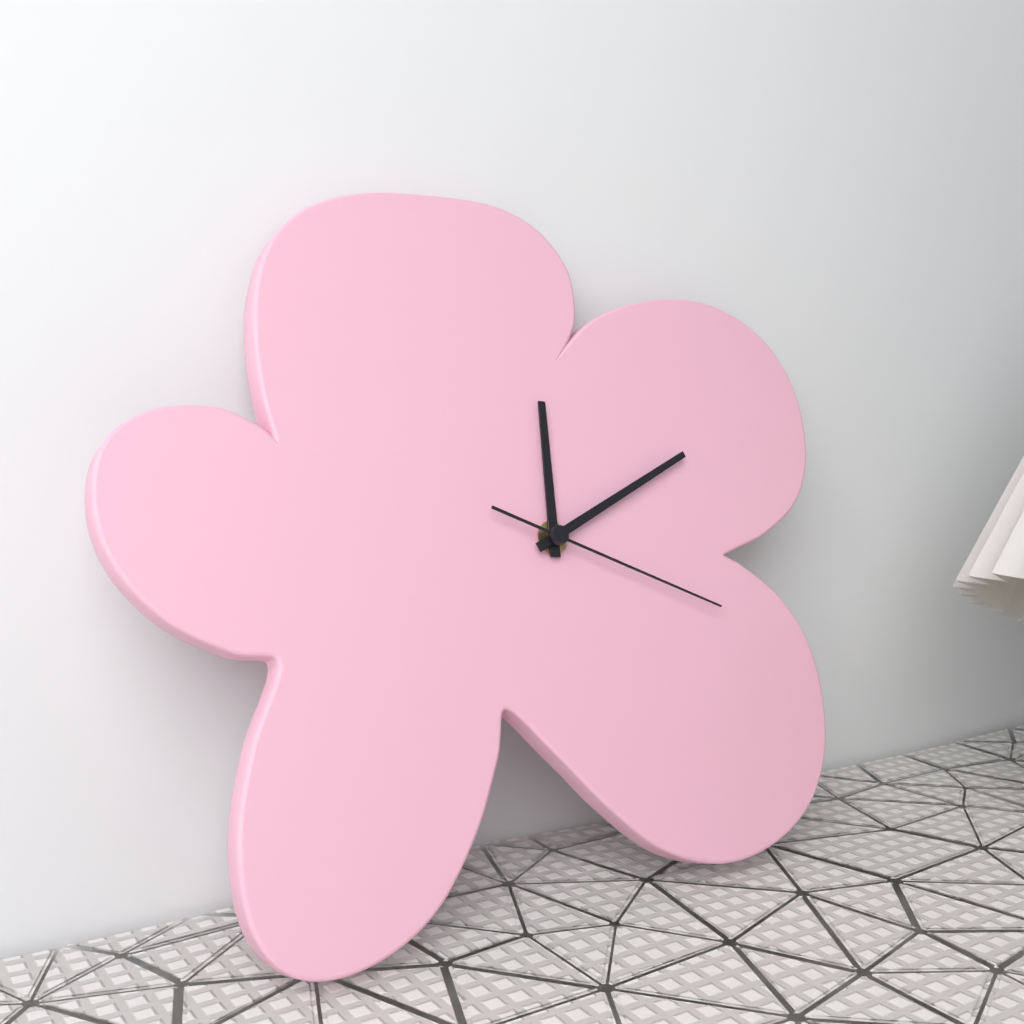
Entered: {"hour": 12, "minute": 11, "second": 19}
